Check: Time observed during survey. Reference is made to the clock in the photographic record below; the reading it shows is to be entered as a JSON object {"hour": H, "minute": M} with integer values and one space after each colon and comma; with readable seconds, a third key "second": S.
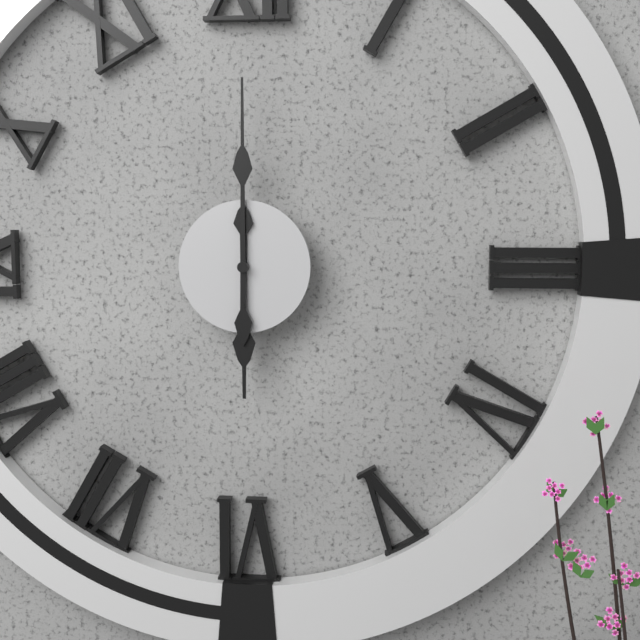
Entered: {"hour": 6, "minute": 0}
